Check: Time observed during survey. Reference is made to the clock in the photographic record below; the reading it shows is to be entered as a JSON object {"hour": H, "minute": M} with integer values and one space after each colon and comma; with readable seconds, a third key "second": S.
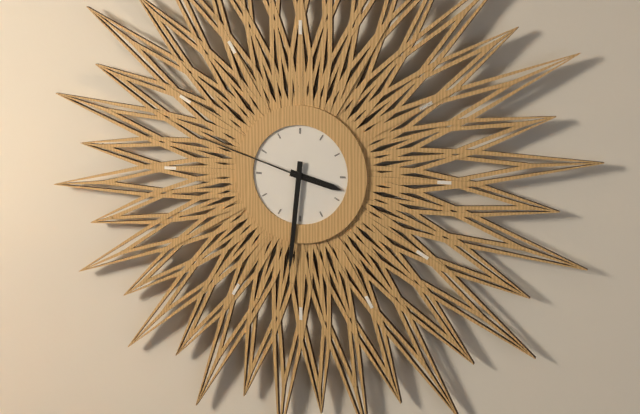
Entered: {"hour": 3, "minute": 31, "second": 48}
